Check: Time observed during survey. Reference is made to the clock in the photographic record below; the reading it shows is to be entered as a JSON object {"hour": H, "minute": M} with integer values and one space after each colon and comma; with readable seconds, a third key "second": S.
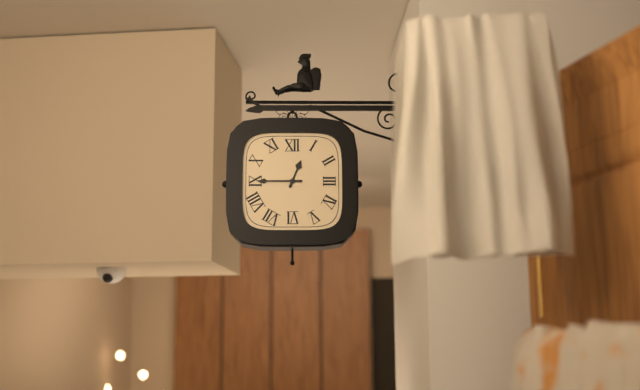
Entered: {"hour": 12, "minute": 45}
